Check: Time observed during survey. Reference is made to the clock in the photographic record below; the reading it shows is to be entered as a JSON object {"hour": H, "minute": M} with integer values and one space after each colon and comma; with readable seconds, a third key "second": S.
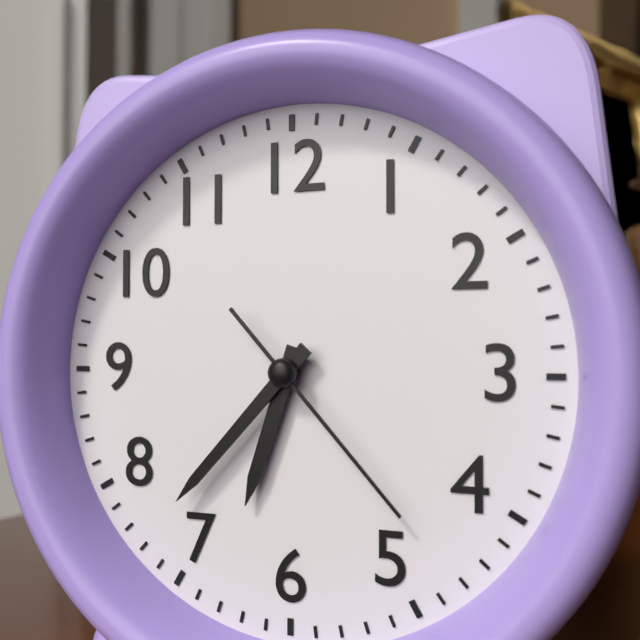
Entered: {"hour": 6, "minute": 37, "second": 23}
